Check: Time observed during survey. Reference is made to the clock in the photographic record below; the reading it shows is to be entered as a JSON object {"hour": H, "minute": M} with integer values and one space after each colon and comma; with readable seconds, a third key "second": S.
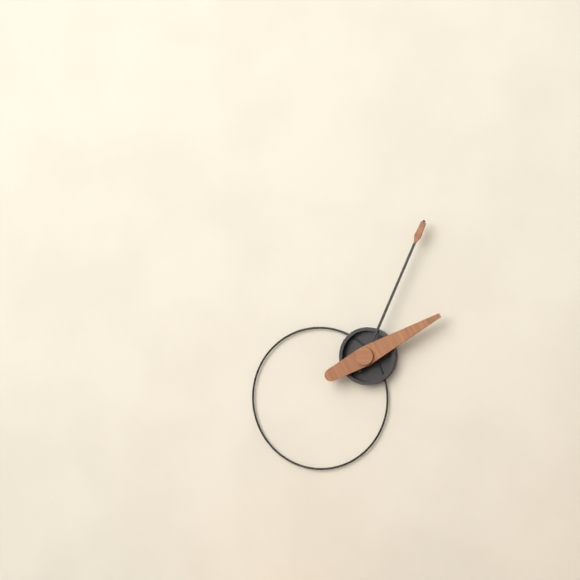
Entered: {"hour": 2, "minute": 4}
